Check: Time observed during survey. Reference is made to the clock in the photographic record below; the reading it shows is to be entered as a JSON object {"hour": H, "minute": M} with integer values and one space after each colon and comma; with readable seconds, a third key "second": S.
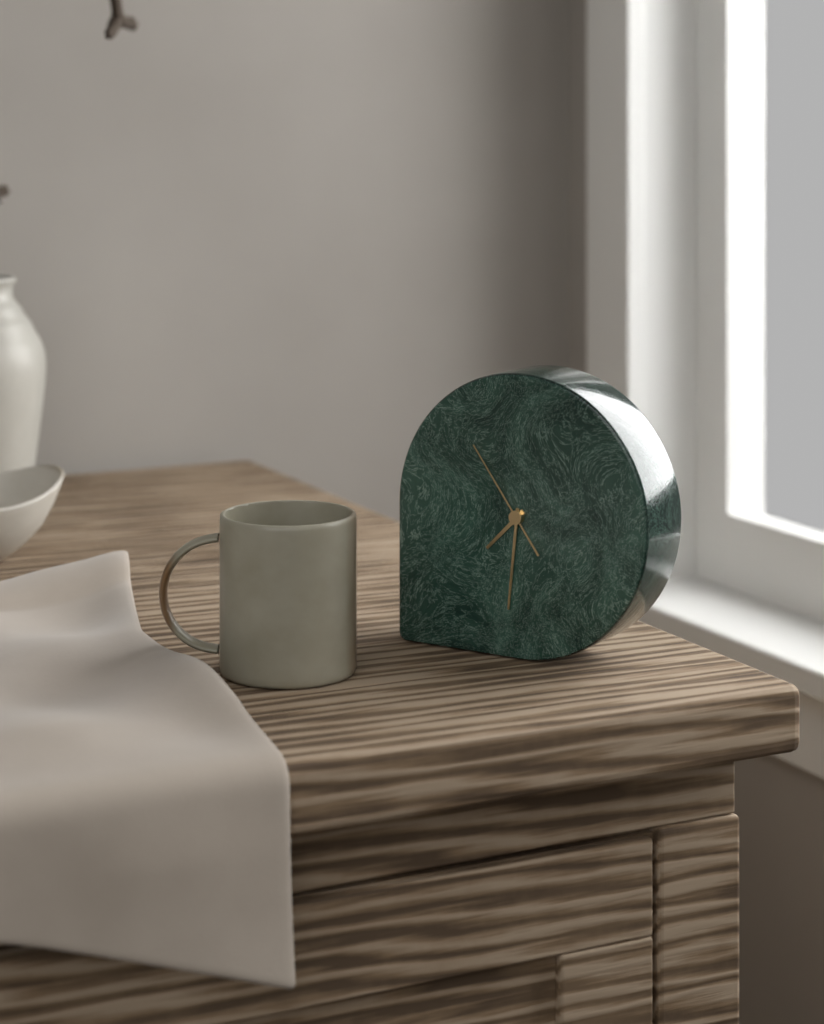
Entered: {"hour": 7, "minute": 31, "second": 54}
